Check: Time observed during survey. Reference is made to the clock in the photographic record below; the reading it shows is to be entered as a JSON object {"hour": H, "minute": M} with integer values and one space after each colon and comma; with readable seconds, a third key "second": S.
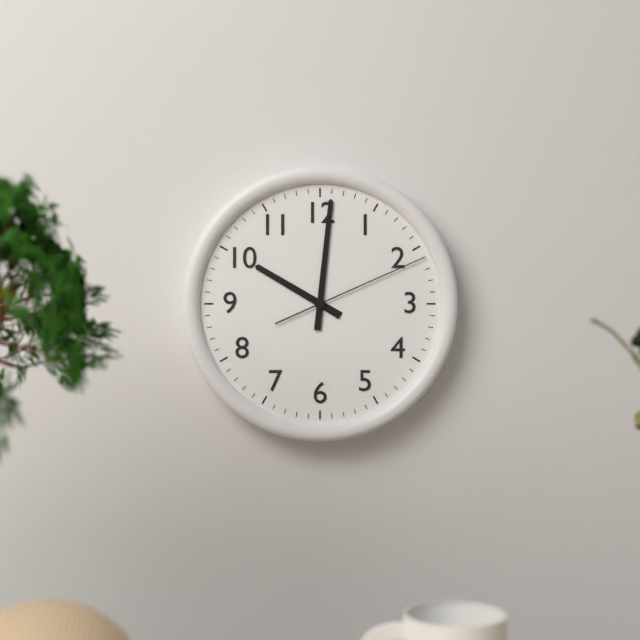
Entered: {"hour": 10, "minute": 1, "second": 11}
